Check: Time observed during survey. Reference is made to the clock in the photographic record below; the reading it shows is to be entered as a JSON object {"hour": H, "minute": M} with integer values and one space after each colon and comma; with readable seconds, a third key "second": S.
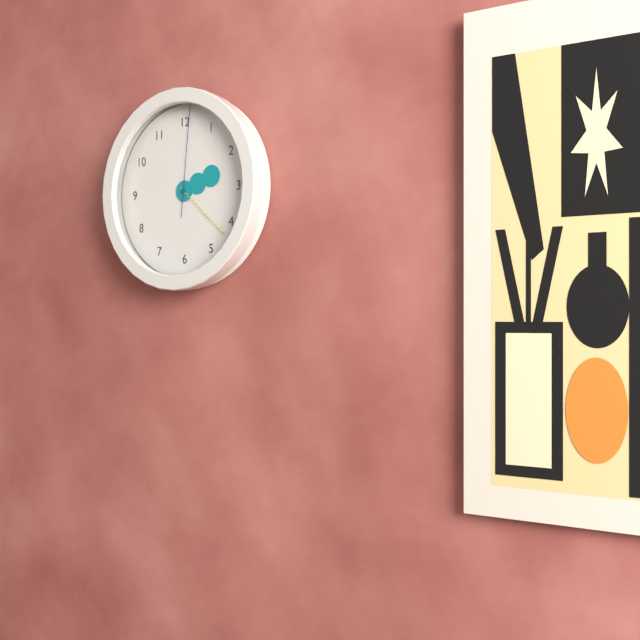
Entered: {"hour": 2, "minute": 22, "second": 1}
